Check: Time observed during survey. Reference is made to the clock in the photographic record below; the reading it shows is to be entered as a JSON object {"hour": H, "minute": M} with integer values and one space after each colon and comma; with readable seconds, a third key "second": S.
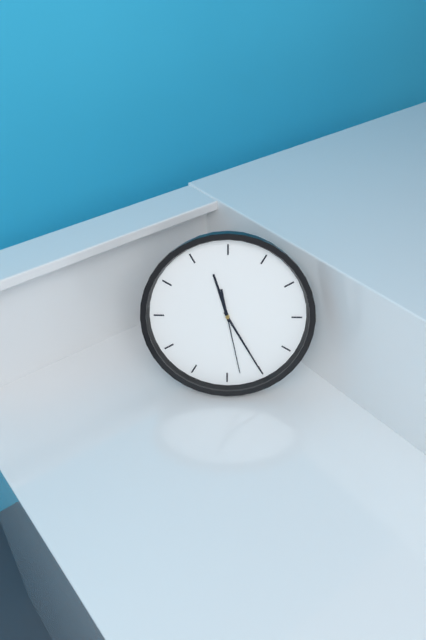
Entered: {"hour": 11, "minute": 25, "second": 28}
